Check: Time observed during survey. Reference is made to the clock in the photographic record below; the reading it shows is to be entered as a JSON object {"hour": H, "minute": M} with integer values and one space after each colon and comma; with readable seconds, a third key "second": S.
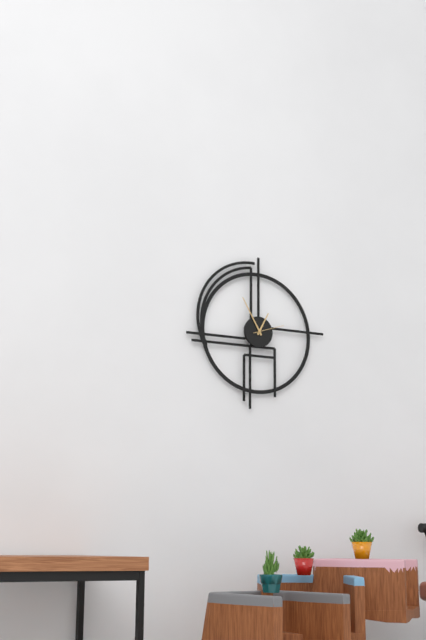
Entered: {"hour": 12, "minute": 55}
